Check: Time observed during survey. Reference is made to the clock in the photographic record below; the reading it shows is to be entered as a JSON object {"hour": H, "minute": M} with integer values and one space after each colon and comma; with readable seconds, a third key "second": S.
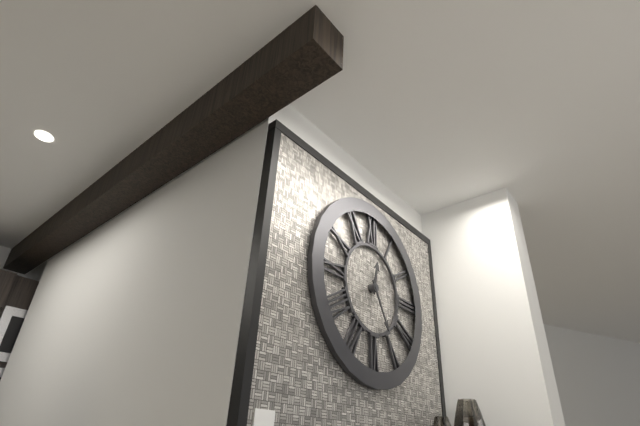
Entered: {"hour": 12, "minute": 25}
